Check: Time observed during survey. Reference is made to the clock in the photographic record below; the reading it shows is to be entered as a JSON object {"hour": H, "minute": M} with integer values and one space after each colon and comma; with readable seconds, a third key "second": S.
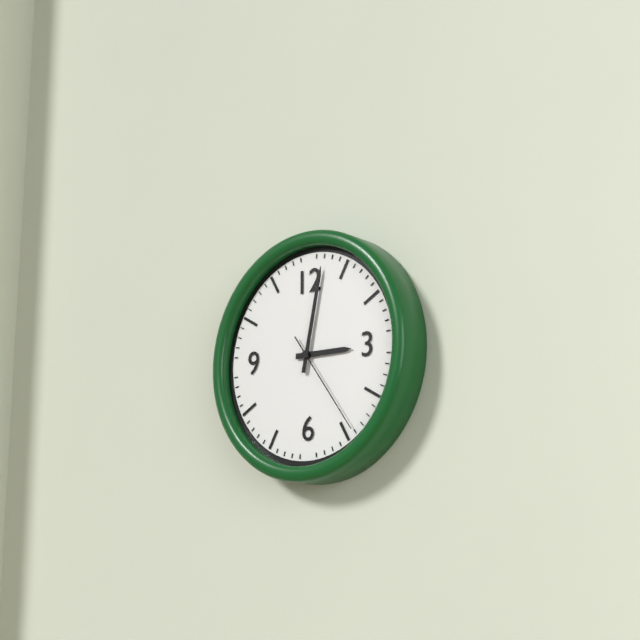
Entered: {"hour": 3, "minute": 2, "second": 24}
